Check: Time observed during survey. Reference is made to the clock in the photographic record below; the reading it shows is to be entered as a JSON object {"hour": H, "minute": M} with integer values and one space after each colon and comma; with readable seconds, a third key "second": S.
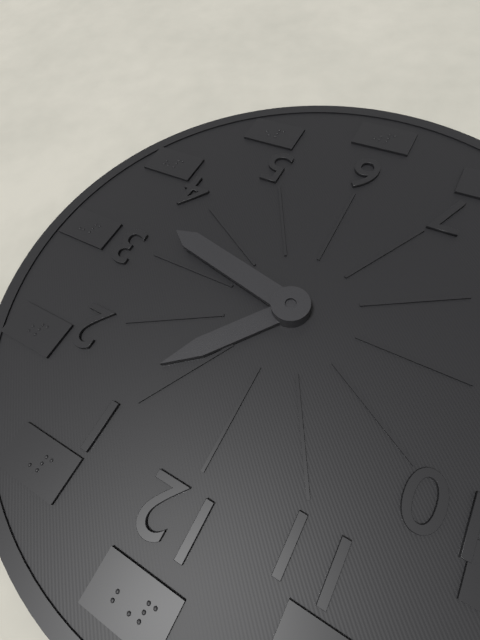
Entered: {"hour": 1, "minute": 17}
